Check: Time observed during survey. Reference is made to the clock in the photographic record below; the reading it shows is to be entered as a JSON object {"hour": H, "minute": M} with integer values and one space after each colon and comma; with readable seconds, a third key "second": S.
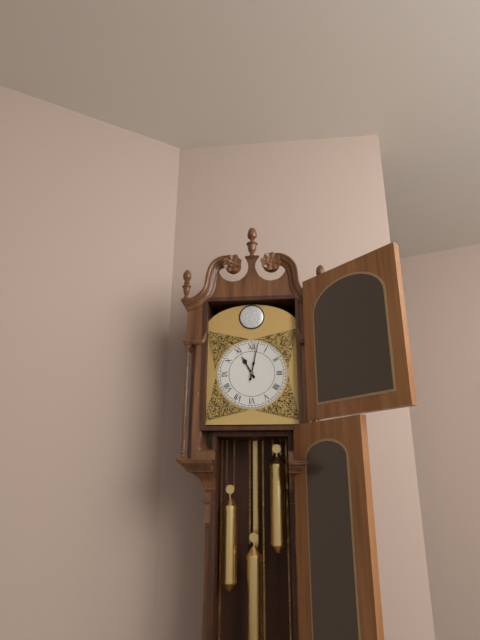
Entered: {"hour": 11, "minute": 2}
